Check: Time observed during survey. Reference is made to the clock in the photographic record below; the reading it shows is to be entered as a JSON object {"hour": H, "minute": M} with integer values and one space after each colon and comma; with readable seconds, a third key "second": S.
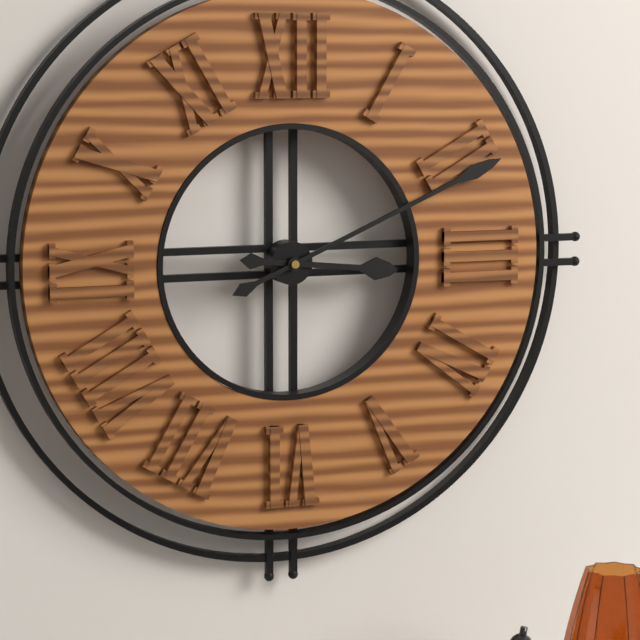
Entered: {"hour": 3, "minute": 11}
